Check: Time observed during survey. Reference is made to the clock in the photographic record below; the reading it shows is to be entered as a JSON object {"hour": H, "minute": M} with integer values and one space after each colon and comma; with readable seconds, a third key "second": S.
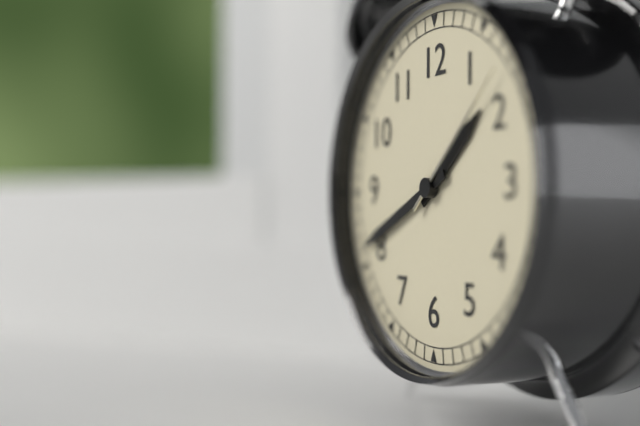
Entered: {"hour": 1, "minute": 41, "second": 8}
